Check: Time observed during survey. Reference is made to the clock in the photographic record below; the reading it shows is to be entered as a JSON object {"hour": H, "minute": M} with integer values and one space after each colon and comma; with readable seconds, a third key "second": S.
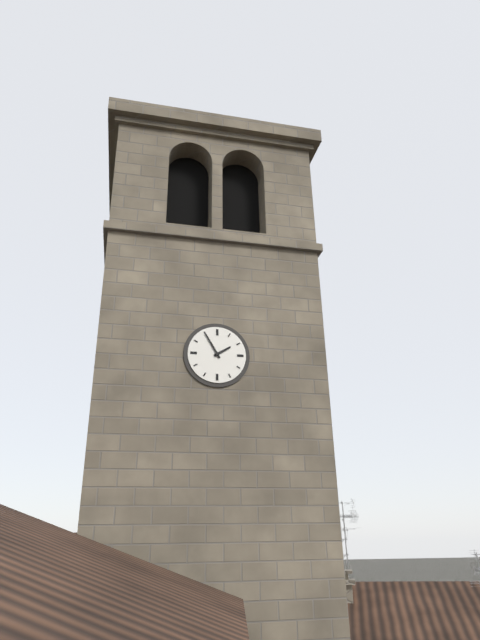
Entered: {"hour": 1, "minute": 55}
